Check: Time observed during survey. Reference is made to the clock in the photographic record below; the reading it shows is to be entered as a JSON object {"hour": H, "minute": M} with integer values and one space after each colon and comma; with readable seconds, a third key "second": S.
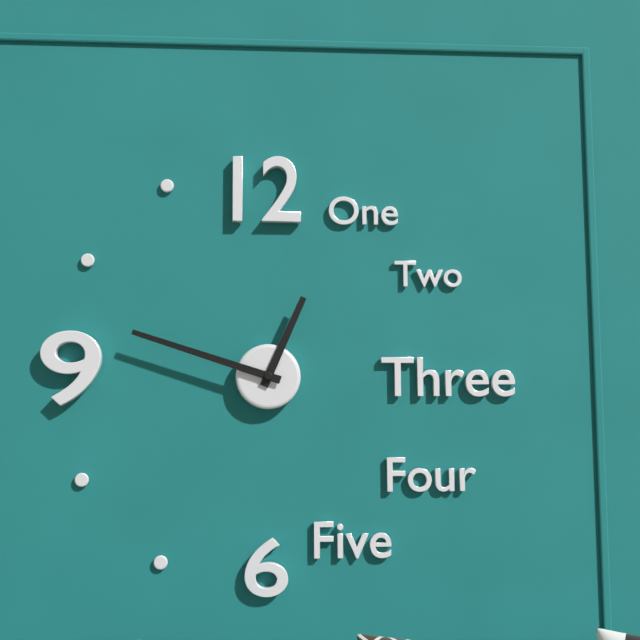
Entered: {"hour": 12, "minute": 48}
